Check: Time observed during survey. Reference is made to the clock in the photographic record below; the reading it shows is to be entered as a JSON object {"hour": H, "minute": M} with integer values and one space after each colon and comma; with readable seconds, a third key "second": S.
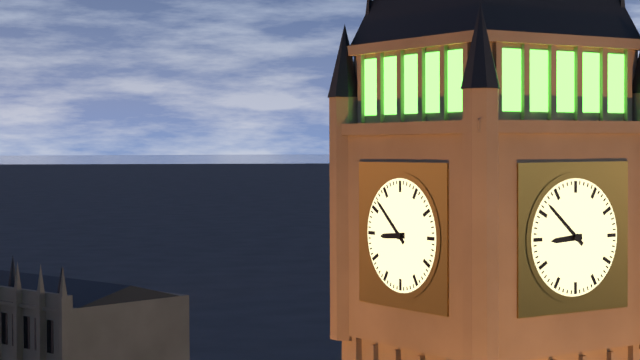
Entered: {"hour": 8, "minute": 52}
